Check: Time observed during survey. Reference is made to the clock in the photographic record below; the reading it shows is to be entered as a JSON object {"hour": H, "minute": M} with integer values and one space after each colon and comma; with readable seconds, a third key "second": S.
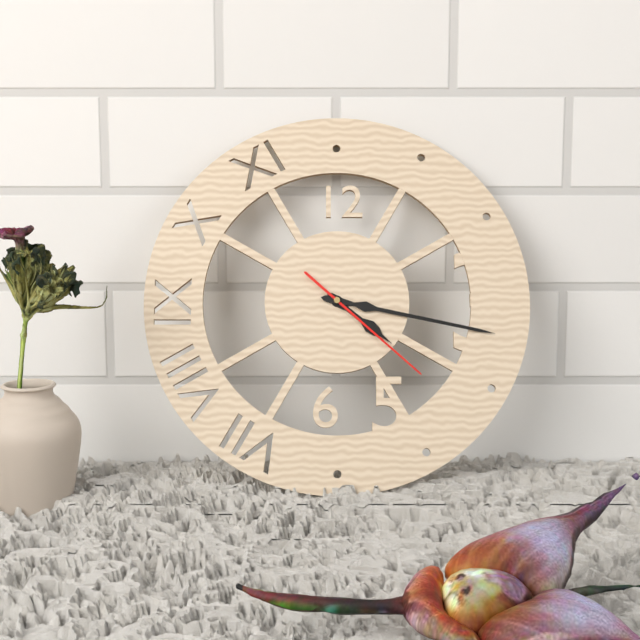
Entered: {"hour": 4, "minute": 17, "second": 22}
